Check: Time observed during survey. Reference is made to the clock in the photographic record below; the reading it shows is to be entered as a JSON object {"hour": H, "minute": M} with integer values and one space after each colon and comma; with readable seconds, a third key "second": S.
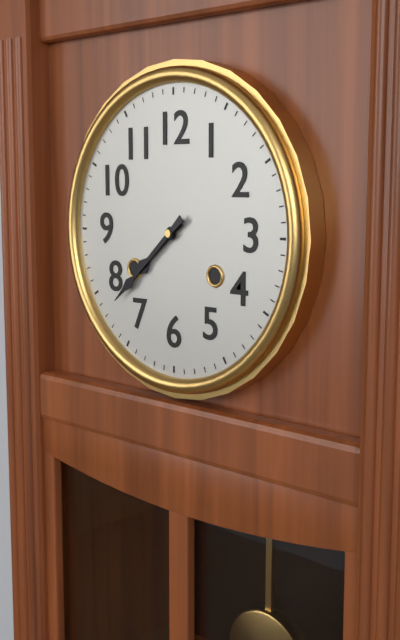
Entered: {"hour": 7, "minute": 38}
